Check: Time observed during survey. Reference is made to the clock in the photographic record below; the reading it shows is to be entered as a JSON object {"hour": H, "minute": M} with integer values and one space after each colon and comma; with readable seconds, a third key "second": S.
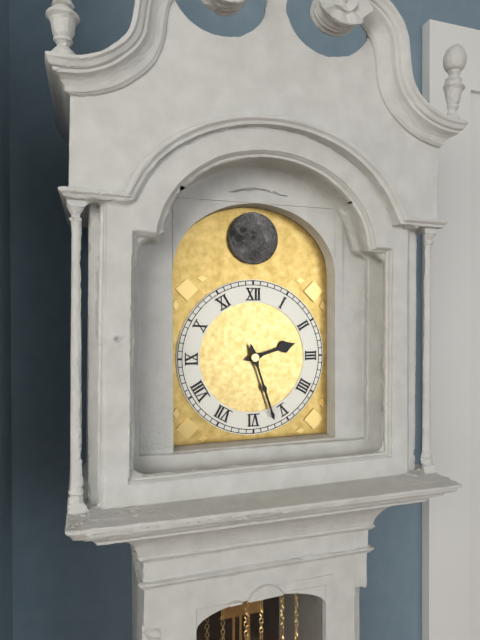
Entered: {"hour": 2, "minute": 27}
